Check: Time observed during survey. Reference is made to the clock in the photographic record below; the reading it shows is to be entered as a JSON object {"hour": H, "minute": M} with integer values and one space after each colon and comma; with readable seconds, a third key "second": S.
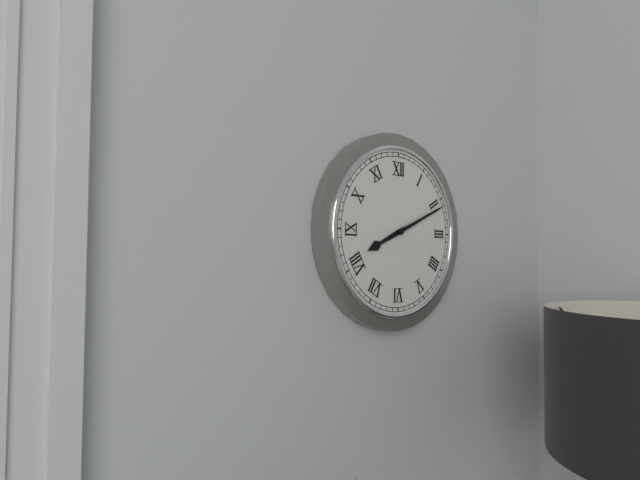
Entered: {"hour": 8, "minute": 11}
